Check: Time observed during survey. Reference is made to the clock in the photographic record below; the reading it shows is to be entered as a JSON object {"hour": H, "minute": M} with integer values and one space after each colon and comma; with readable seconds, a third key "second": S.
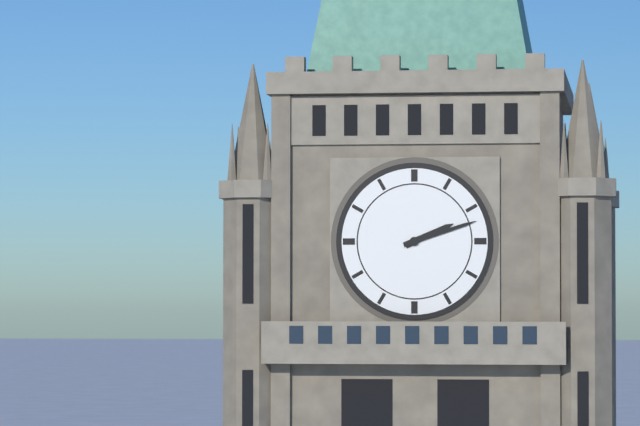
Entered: {"hour": 2, "minute": 12}
